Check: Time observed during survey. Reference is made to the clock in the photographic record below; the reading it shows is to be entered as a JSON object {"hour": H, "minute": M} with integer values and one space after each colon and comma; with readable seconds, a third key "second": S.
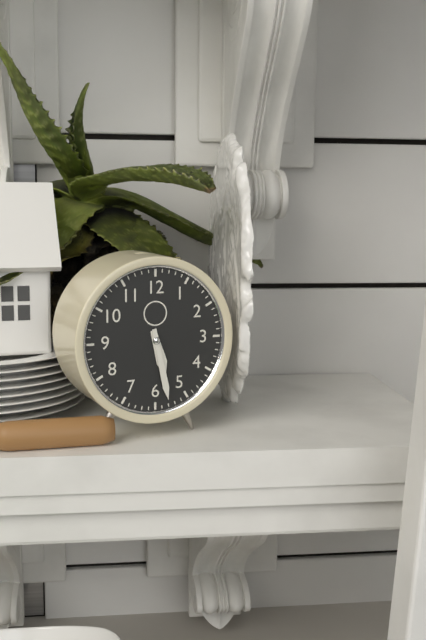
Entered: {"hour": 5, "minute": 28}
